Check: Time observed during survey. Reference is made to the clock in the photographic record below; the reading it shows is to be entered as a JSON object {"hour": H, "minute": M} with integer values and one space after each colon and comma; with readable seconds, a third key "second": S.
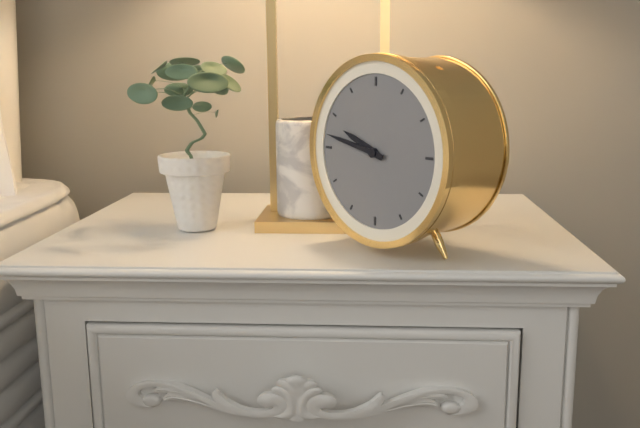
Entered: {"hour": 9, "minute": 47}
